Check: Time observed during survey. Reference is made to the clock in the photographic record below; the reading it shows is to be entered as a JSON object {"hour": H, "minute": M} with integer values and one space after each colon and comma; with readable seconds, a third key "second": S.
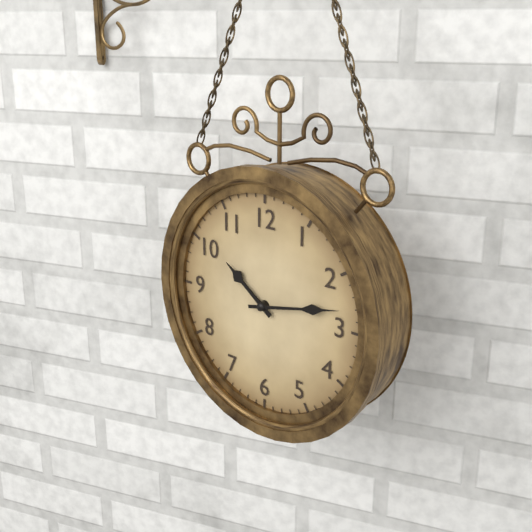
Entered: {"hour": 10, "minute": 13}
